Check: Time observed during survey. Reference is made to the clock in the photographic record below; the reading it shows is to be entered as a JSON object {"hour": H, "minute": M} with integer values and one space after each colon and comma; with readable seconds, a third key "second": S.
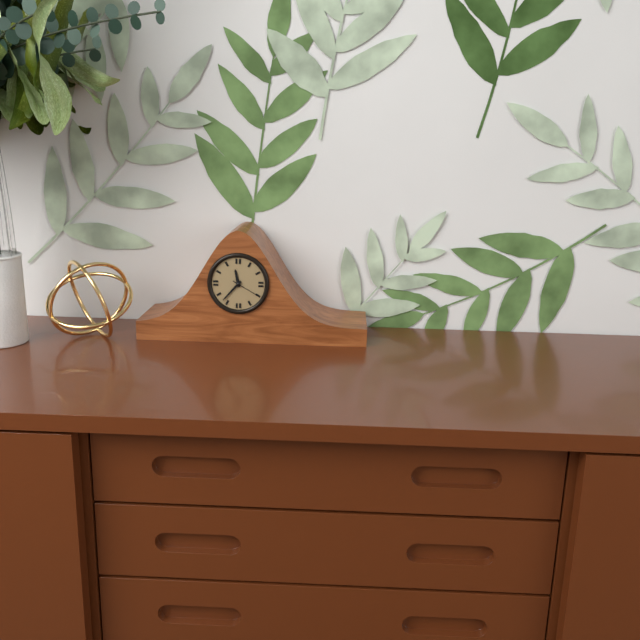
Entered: {"hour": 11, "minute": 37}
